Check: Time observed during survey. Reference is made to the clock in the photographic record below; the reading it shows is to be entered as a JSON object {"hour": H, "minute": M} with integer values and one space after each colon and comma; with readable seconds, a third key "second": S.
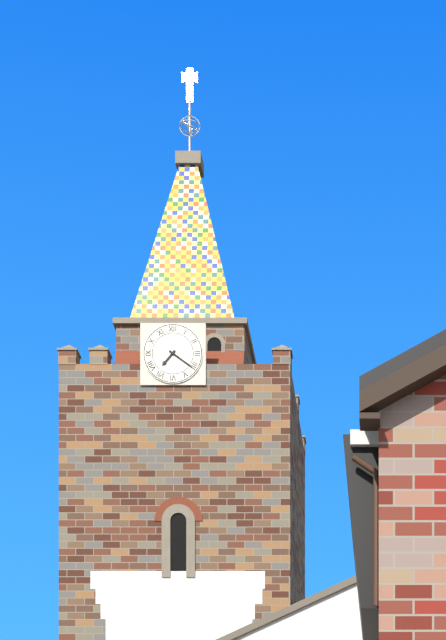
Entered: {"hour": 7, "minute": 21}
